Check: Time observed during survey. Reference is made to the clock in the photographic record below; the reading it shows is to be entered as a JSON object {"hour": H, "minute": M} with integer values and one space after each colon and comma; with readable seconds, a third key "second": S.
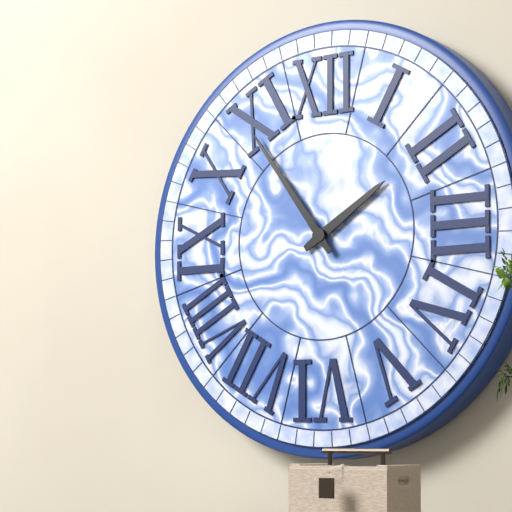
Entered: {"hour": 1, "minute": 54}
